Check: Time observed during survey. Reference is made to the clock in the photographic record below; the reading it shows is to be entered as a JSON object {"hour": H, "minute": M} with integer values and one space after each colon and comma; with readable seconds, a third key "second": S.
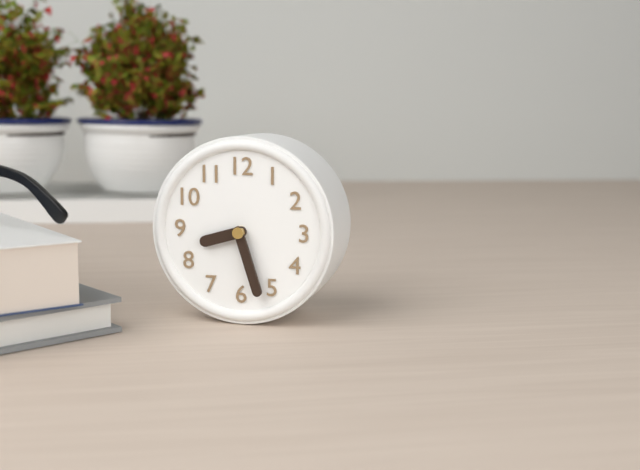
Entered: {"hour": 8, "minute": 27}
